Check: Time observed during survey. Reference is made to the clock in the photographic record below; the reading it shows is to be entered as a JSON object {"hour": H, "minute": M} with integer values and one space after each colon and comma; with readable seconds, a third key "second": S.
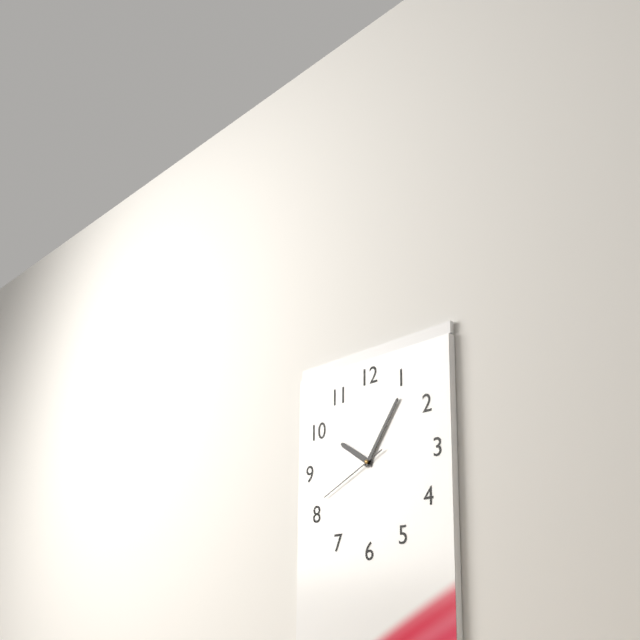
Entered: {"hour": 10, "minute": 6, "second": 41}
